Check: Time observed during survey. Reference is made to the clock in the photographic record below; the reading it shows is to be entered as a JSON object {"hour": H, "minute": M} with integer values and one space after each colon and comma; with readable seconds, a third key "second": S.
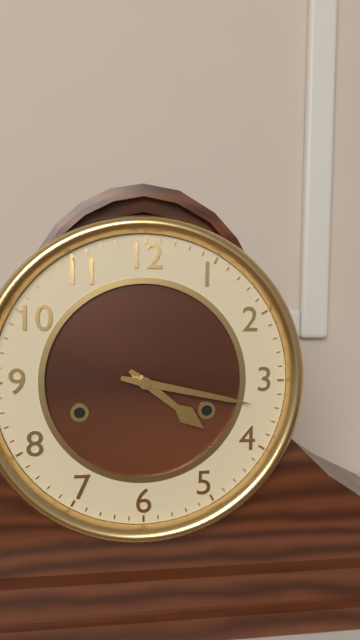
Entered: {"hour": 4, "minute": 17}
